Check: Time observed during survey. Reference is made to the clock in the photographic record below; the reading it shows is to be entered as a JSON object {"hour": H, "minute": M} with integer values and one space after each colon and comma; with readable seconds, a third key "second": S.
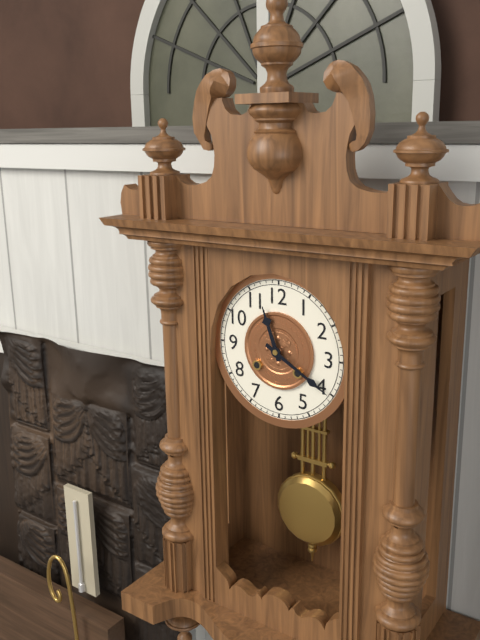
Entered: {"hour": 11, "minute": 20}
